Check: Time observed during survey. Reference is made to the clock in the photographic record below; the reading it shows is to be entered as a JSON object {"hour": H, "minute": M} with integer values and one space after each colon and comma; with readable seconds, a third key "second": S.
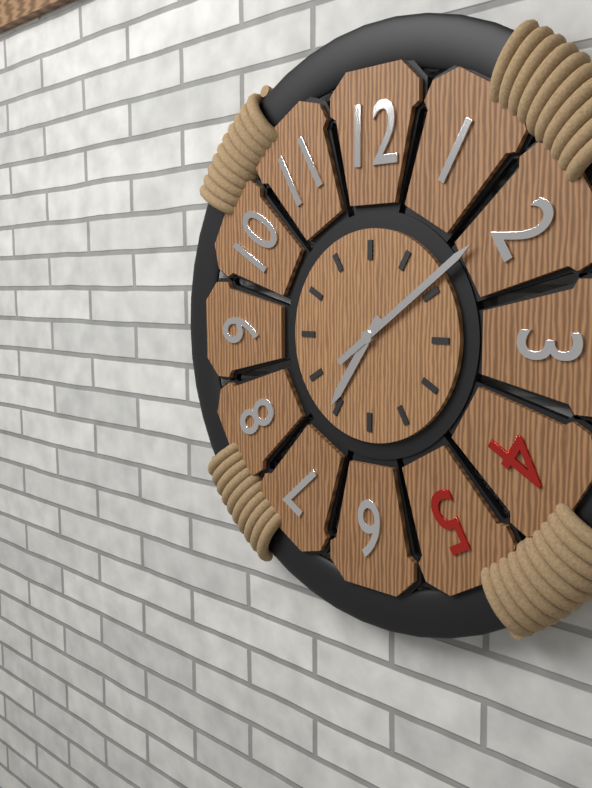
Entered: {"hour": 7, "minute": 9}
